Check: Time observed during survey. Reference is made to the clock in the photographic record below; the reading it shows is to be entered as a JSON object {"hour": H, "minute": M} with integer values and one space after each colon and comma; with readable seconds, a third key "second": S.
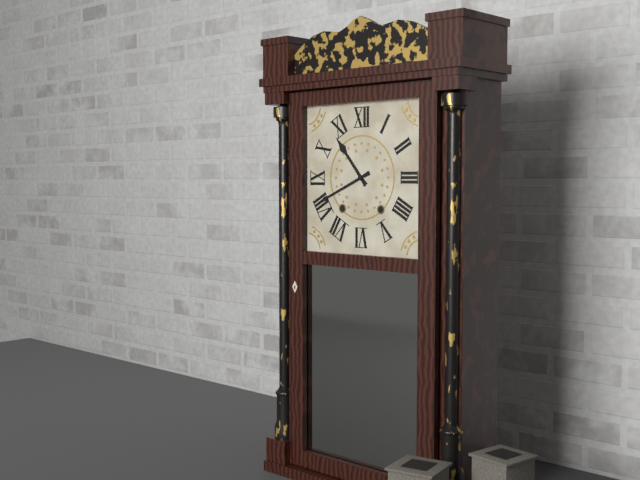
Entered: {"hour": 10, "minute": 41}
